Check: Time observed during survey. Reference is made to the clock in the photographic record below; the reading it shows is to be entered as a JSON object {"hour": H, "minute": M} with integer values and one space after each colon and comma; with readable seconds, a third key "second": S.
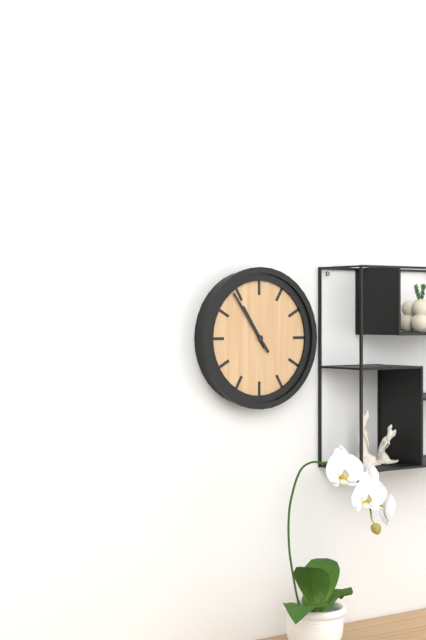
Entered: {"hour": 10, "minute": 54}
